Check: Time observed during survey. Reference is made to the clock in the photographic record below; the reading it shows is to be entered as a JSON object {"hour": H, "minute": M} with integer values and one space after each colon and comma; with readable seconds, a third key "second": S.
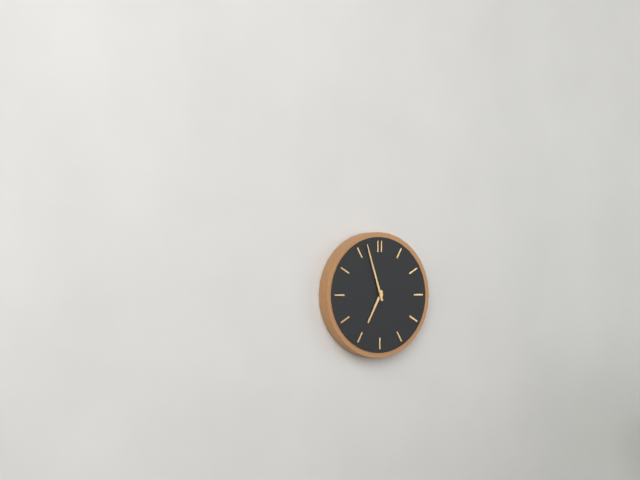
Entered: {"hour": 6, "minute": 57}
